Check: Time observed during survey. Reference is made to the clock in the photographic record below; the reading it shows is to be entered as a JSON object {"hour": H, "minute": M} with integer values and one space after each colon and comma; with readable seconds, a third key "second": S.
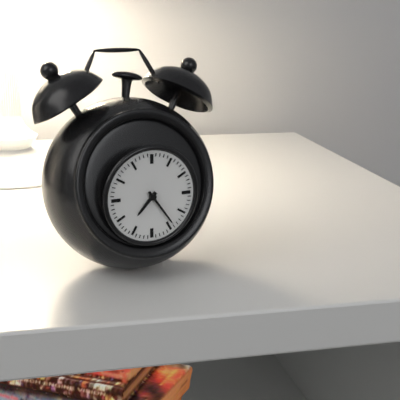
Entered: {"hour": 7, "minute": 24}
